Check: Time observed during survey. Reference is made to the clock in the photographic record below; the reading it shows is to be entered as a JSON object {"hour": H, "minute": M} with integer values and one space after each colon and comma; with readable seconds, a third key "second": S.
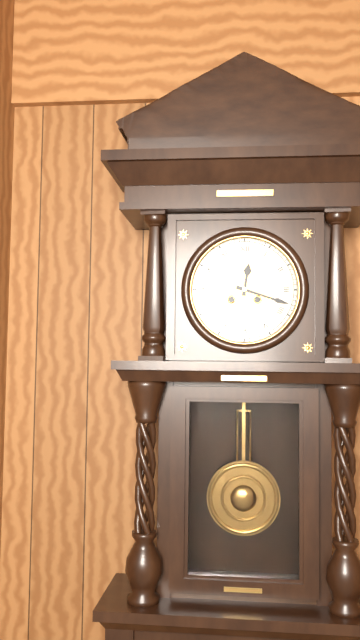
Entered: {"hour": 12, "minute": 18}
